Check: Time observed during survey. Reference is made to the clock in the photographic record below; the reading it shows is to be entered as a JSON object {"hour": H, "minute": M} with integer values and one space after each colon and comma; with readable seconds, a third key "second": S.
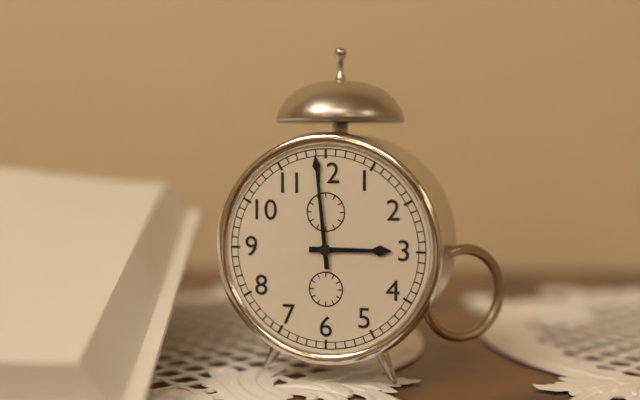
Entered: {"hour": 2, "minute": 59}
